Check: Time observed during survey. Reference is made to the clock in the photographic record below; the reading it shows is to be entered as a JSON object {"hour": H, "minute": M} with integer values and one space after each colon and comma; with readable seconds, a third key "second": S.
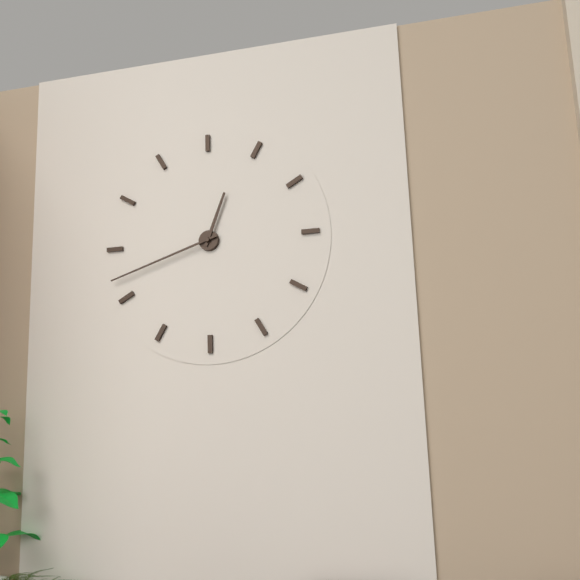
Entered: {"hour": 12, "minute": 42}
